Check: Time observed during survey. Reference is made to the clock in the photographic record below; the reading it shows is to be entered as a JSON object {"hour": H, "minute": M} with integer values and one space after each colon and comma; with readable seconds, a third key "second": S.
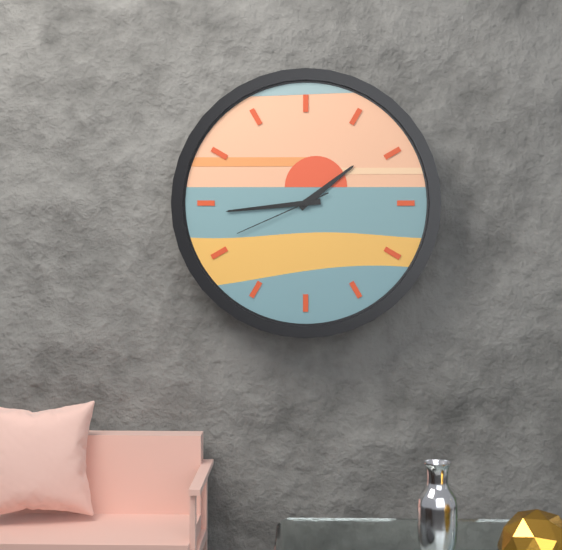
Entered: {"hour": 1, "minute": 44, "second": 41}
